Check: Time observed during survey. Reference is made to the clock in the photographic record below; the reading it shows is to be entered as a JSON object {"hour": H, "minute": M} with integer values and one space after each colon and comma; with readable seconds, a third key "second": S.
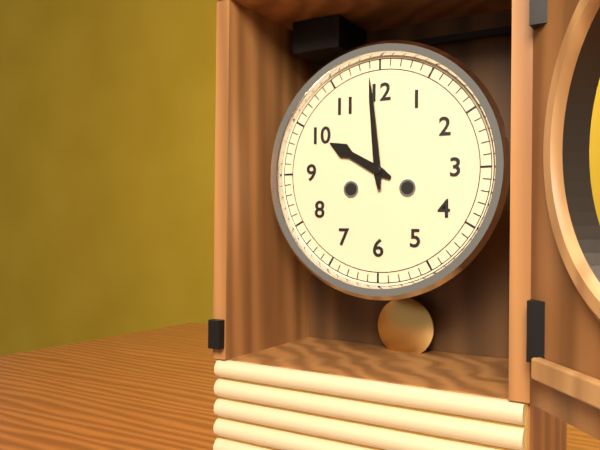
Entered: {"hour": 9, "minute": 59}
